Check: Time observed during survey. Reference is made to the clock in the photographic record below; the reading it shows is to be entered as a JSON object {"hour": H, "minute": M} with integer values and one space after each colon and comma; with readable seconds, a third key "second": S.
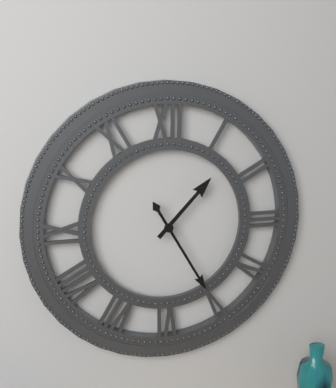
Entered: {"hour": 1, "minute": 25}
